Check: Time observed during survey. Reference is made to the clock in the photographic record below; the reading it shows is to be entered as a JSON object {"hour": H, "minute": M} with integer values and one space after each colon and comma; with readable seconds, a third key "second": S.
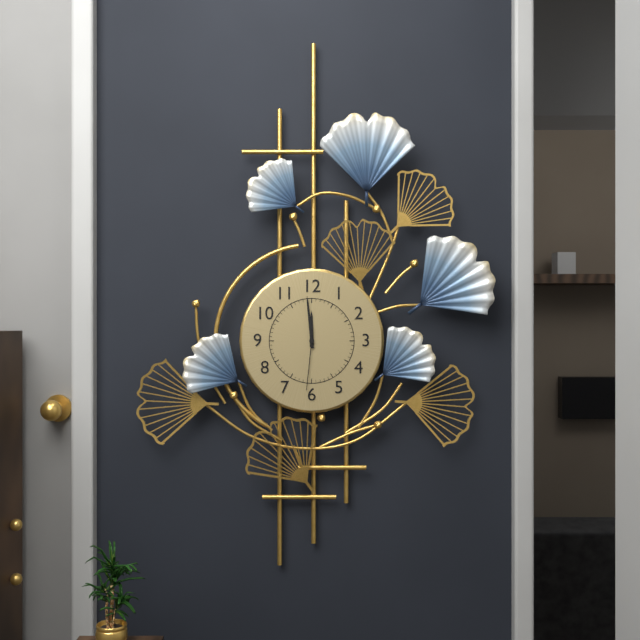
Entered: {"hour": 11, "minute": 59, "second": 31}
